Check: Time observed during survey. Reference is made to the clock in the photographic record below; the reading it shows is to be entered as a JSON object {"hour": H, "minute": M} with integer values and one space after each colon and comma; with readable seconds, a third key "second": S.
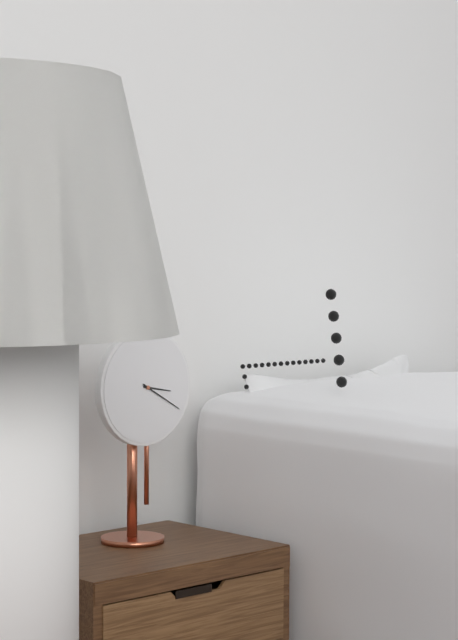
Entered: {"hour": 3, "minute": 20}
